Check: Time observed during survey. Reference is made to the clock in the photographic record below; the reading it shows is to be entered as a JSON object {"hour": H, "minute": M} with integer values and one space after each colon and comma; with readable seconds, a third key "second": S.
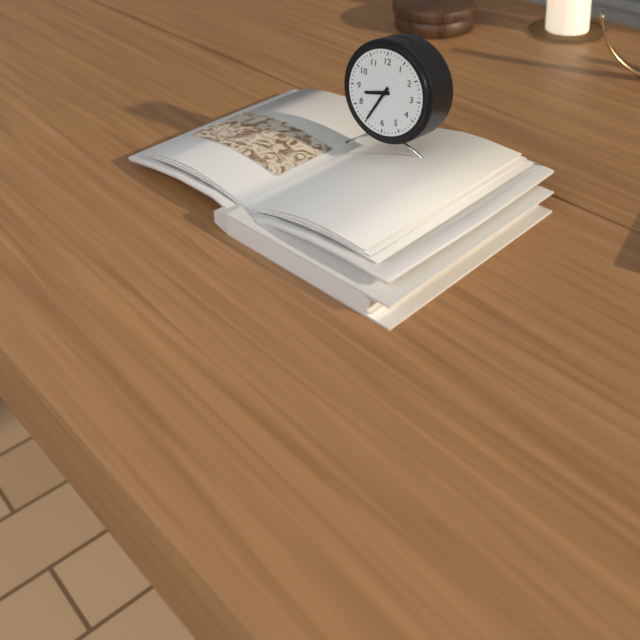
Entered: {"hour": 8, "minute": 35}
